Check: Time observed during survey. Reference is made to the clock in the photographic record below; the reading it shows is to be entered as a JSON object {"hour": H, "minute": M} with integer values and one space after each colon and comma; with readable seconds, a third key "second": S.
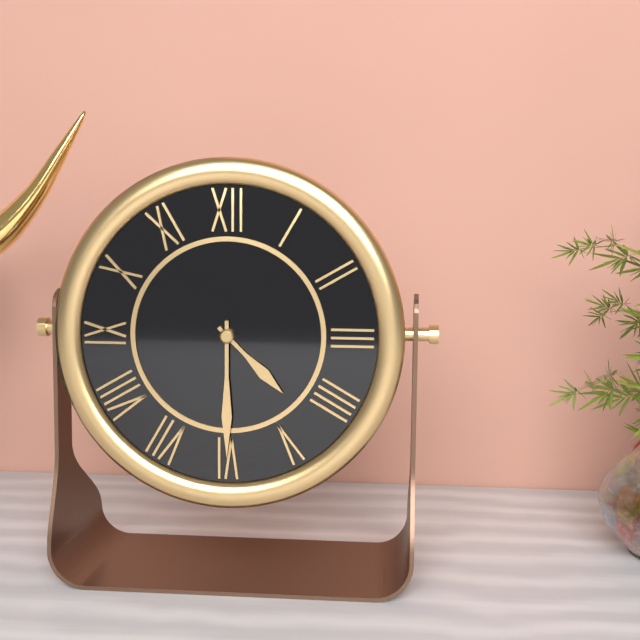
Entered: {"hour": 4, "minute": 30}
